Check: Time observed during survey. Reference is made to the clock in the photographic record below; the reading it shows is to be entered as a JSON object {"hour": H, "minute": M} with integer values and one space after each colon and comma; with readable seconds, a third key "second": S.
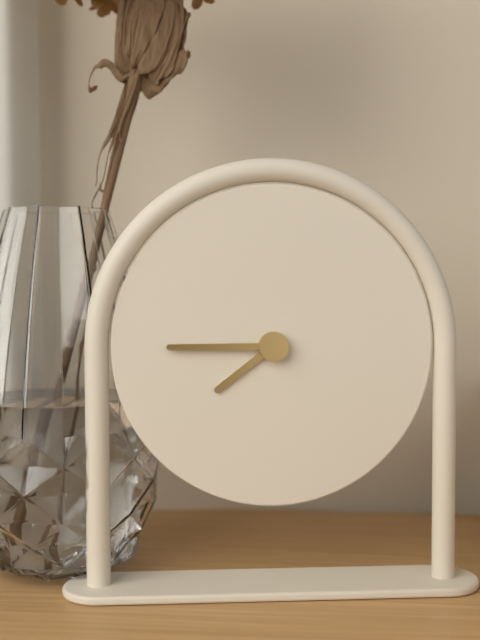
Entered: {"hour": 7, "minute": 45}
